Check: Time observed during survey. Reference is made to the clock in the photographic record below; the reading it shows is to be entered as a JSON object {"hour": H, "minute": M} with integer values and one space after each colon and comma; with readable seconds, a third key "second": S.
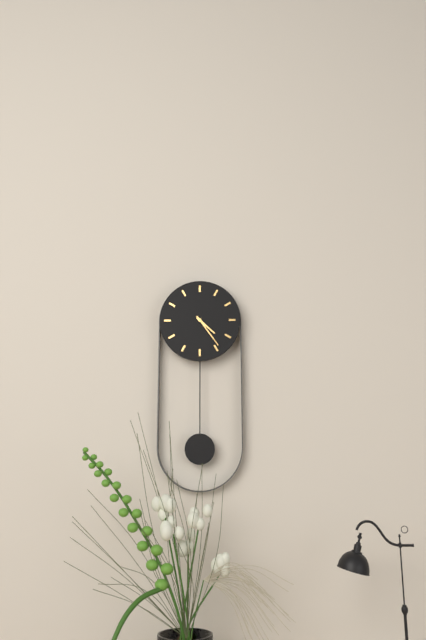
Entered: {"hour": 4, "minute": 24}
